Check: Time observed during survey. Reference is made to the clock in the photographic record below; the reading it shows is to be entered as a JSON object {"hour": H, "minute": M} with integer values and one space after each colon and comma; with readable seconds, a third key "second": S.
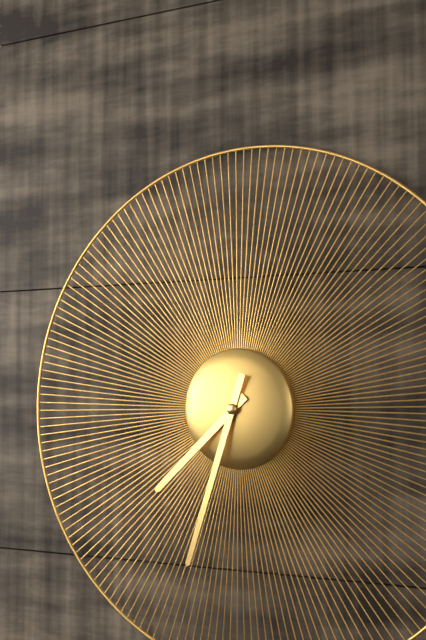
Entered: {"hour": 7, "minute": 33}
